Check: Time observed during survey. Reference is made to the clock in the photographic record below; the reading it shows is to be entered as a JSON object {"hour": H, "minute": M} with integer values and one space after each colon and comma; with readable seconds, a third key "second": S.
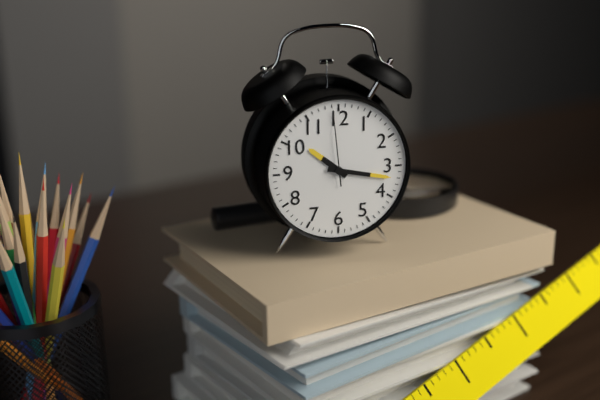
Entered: {"hour": 10, "minute": 17, "second": 59}
